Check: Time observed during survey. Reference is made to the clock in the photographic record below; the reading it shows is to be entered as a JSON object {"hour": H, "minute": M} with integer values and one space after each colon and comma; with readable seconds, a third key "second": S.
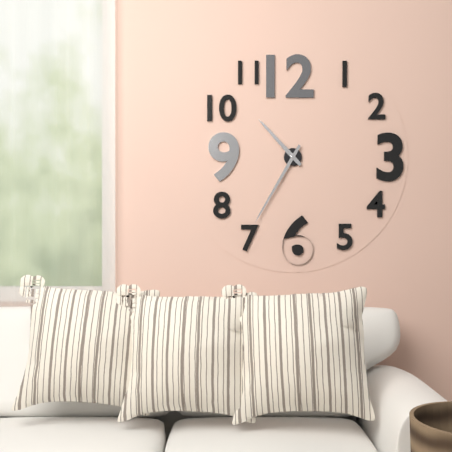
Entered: {"hour": 10, "minute": 35}
